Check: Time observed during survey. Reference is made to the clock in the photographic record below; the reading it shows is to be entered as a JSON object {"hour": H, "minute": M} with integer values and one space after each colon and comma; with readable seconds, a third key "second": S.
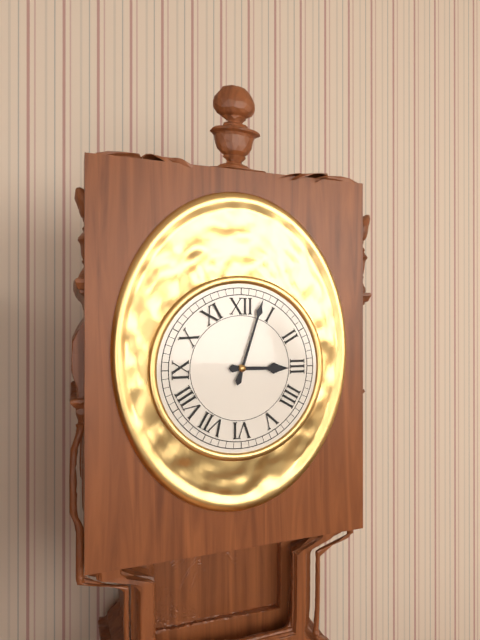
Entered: {"hour": 3, "minute": 3}
